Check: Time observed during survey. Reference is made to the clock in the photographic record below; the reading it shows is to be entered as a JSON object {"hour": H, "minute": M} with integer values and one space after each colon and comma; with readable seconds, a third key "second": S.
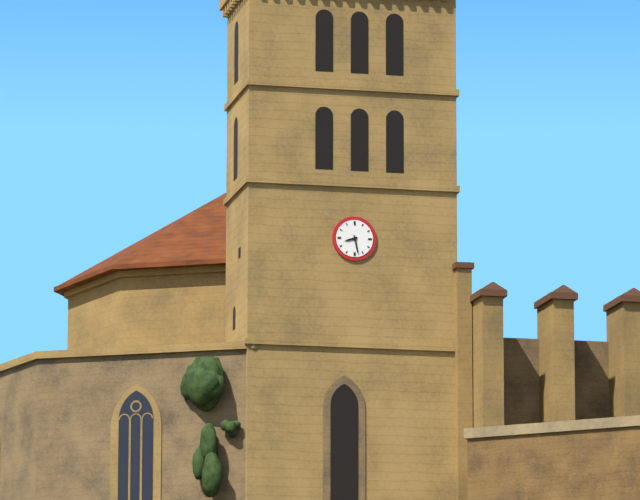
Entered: {"hour": 8, "minute": 28}
